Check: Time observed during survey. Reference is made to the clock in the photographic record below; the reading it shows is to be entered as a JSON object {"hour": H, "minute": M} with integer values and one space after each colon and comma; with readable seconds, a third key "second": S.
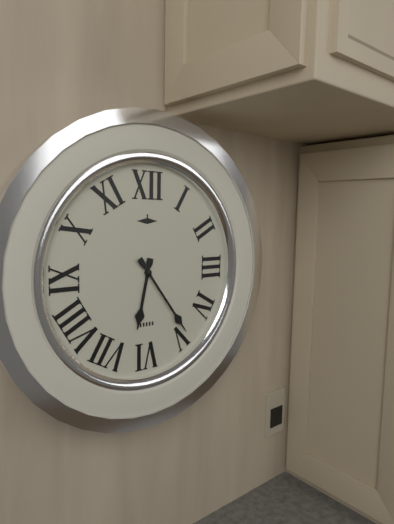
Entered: {"hour": 6, "minute": 24}
